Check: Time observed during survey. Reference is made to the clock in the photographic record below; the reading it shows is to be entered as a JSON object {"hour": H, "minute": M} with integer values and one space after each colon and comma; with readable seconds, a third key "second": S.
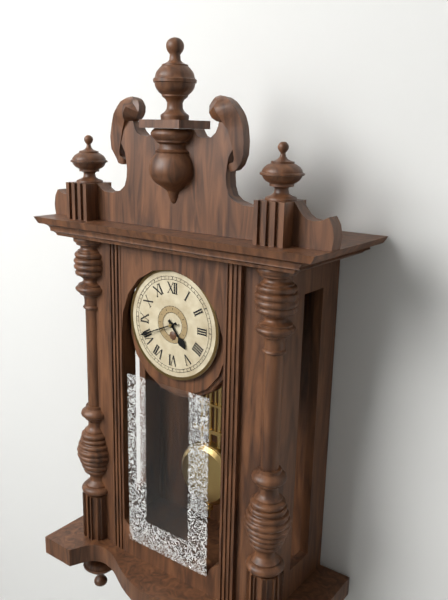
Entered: {"hour": 4, "minute": 41}
